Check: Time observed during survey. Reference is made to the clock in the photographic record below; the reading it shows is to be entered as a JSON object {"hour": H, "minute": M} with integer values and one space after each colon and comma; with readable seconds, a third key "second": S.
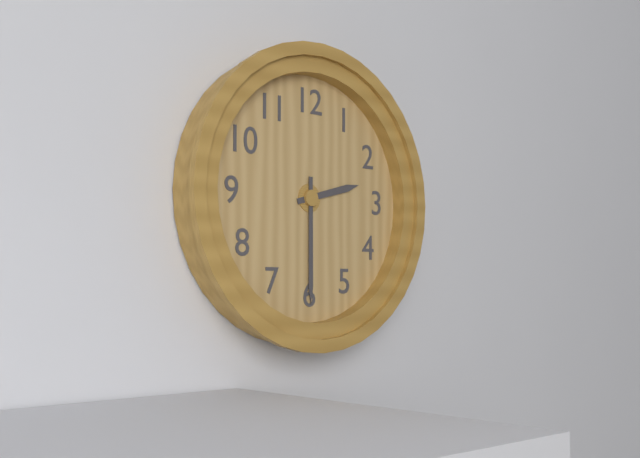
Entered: {"hour": 2, "minute": 30}
